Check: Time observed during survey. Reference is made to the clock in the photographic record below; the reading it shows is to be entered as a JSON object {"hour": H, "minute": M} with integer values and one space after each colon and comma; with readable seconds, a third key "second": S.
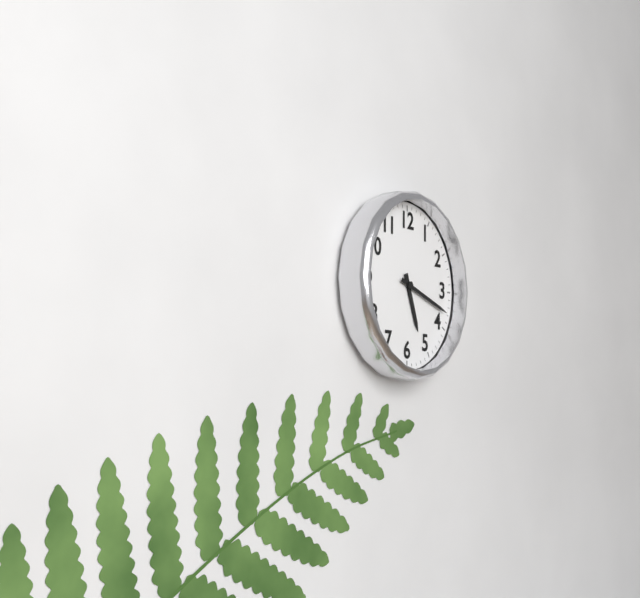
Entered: {"hour": 5, "minute": 18}
